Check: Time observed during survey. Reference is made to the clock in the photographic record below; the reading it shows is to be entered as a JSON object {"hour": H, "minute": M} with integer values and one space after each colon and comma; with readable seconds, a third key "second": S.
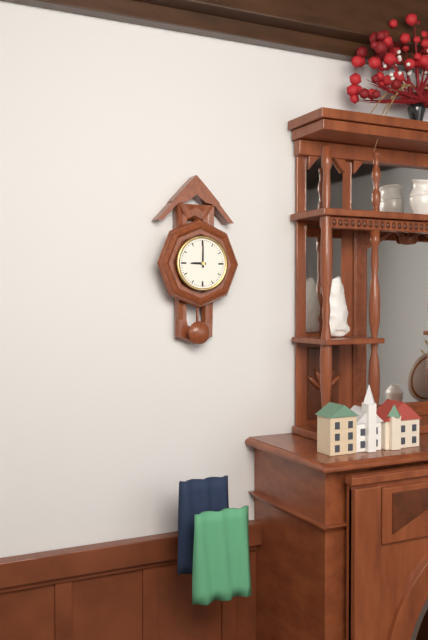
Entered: {"hour": 9, "minute": 0}
